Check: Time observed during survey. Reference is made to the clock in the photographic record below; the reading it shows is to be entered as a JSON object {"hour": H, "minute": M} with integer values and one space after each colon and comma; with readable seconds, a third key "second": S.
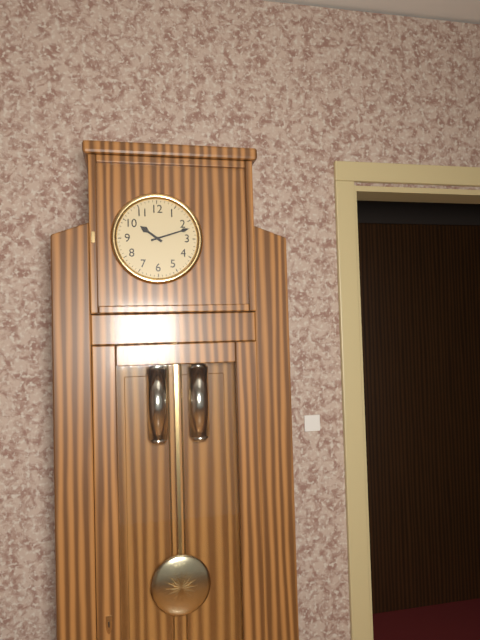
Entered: {"hour": 10, "minute": 12}
